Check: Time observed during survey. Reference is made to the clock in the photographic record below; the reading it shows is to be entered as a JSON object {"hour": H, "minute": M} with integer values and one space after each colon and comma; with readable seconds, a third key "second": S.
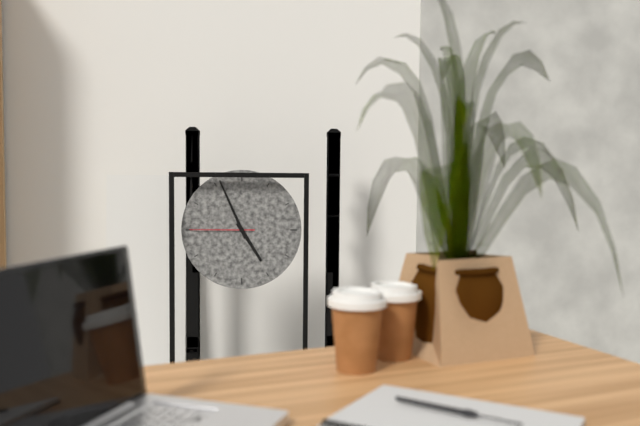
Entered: {"hour": 4, "minute": 56, "second": 45}
